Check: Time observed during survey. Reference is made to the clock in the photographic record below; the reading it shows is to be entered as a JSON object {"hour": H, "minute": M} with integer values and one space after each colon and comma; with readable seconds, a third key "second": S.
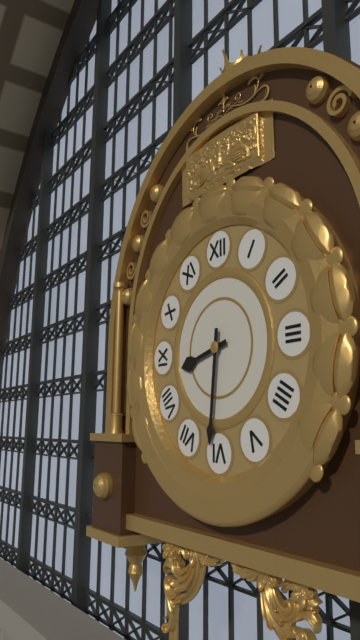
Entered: {"hour": 8, "minute": 31}
